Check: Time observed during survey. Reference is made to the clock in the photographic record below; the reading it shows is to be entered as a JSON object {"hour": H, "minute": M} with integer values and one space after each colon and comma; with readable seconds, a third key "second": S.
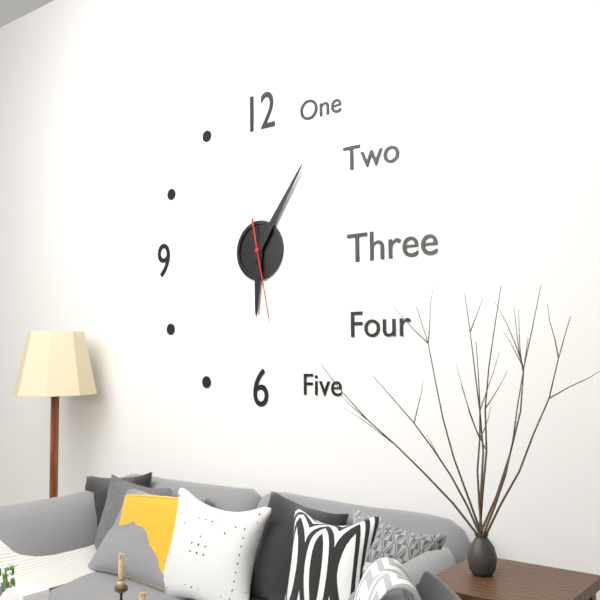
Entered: {"hour": 6, "minute": 6, "second": 28}
